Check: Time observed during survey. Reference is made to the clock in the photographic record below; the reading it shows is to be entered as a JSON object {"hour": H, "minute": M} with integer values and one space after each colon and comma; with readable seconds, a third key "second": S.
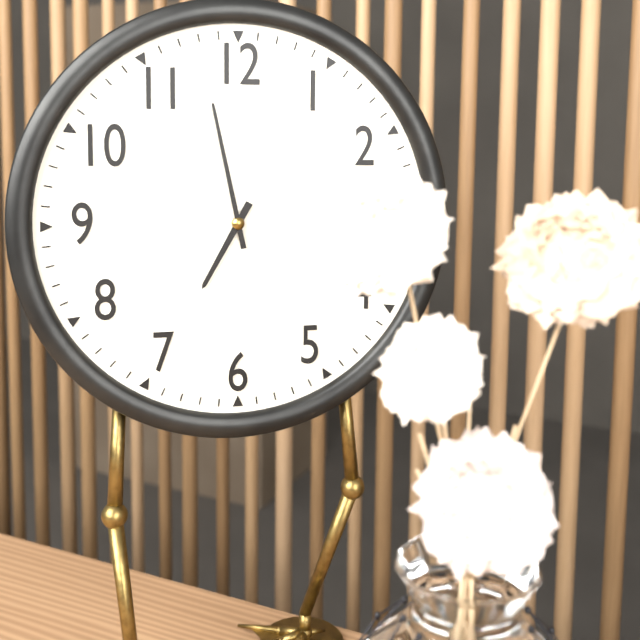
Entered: {"hour": 6, "minute": 58}
